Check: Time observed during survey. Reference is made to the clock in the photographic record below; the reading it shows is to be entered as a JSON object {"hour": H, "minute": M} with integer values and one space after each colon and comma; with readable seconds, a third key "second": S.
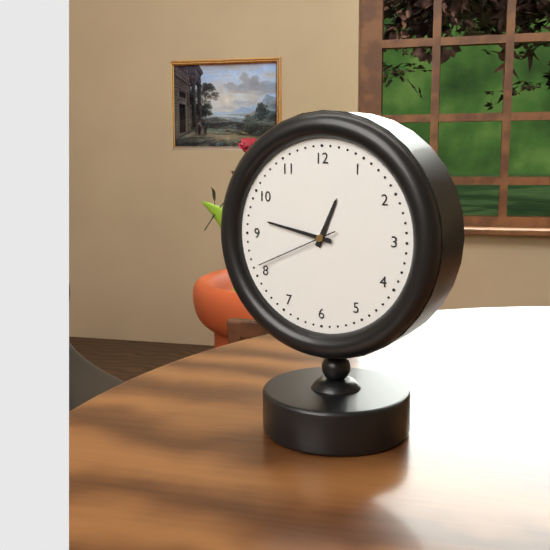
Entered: {"hour": 12, "minute": 47, "second": 41}
